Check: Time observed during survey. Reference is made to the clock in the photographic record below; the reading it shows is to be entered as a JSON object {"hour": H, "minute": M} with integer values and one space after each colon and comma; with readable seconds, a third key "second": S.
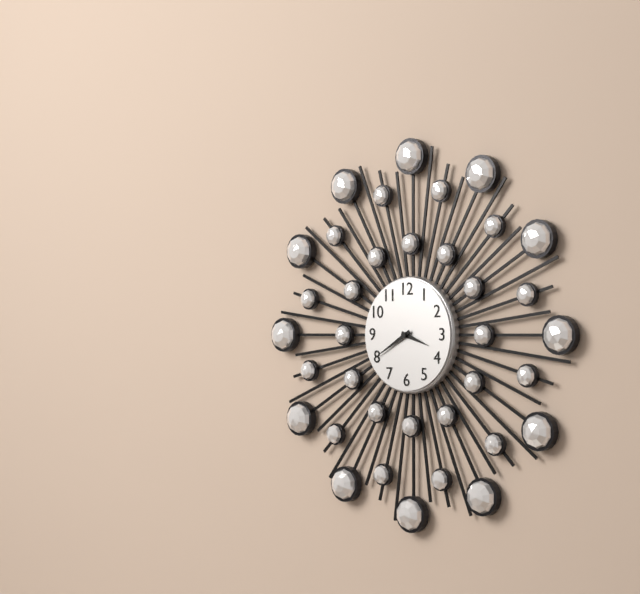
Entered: {"hour": 3, "minute": 40}
